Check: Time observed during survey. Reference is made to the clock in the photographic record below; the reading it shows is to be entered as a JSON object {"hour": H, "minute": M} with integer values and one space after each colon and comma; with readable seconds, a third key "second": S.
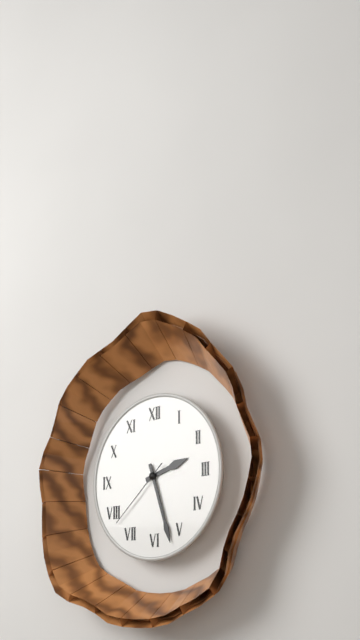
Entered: {"hour": 2, "minute": 27, "second": 38}
